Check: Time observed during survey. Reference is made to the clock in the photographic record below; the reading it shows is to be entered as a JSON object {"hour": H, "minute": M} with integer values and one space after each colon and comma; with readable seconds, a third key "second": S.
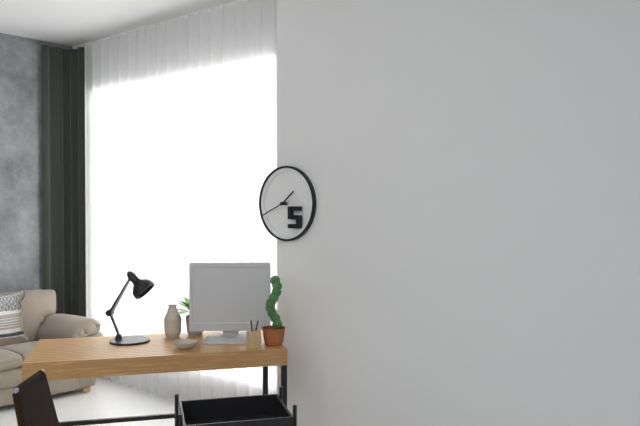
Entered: {"hour": 1, "minute": 41}
